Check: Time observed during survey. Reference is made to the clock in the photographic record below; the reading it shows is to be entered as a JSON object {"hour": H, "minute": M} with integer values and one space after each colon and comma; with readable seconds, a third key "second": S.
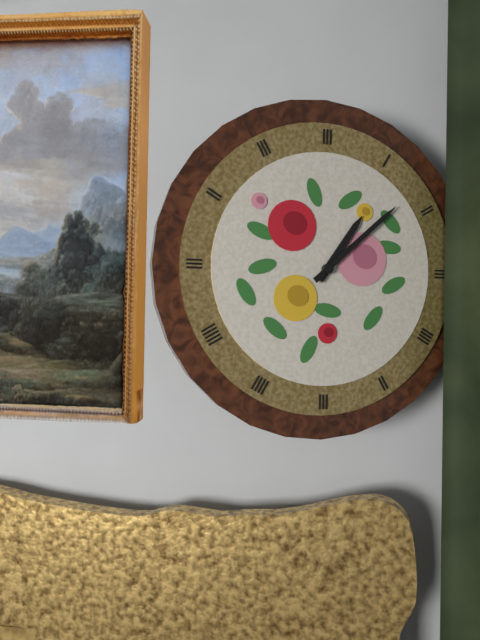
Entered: {"hour": 1, "minute": 8}
